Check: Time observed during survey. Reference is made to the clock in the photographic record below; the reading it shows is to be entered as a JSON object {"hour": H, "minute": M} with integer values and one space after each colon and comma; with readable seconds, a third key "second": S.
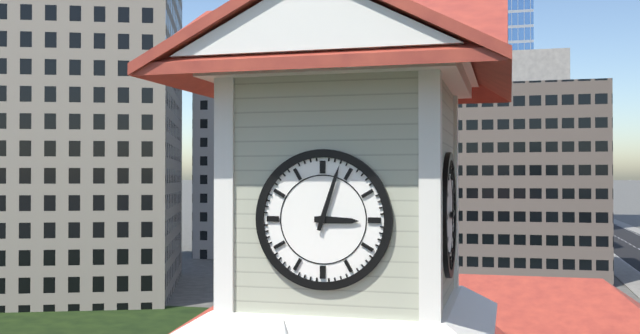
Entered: {"hour": 3, "minute": 3}
